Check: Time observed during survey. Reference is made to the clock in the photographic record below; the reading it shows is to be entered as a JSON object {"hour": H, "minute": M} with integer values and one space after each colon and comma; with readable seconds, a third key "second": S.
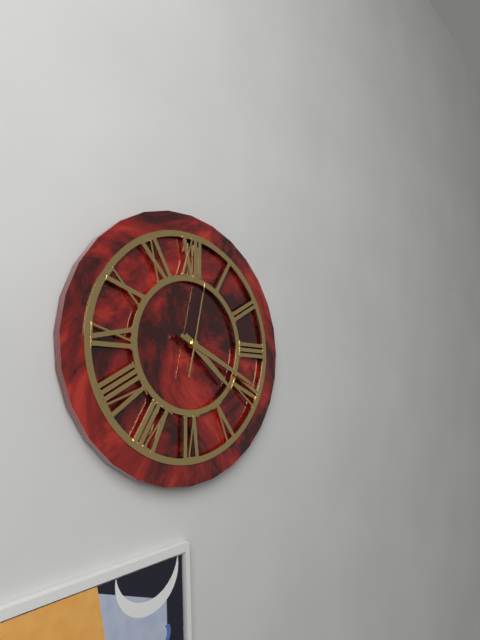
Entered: {"hour": 4, "minute": 19, "second": 2}
